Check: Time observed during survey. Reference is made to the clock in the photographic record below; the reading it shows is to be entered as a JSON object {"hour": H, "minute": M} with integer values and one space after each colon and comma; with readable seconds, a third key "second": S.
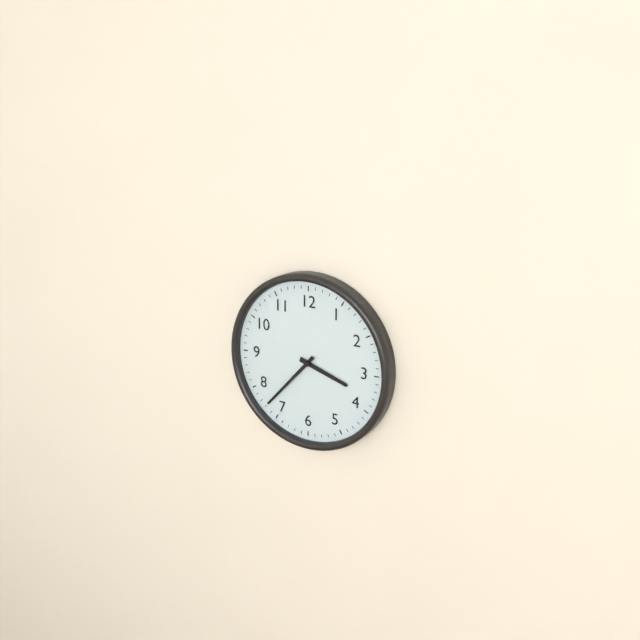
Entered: {"hour": 3, "minute": 37}
